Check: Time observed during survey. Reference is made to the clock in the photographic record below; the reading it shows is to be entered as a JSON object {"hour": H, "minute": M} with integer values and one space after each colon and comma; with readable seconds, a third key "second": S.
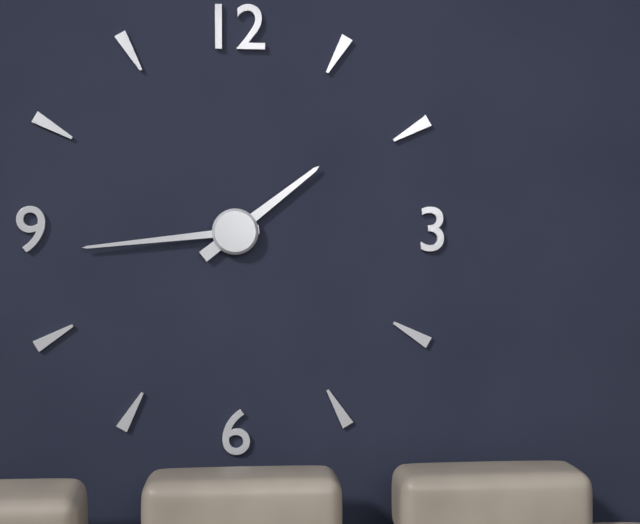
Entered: {"hour": 1, "minute": 44}
